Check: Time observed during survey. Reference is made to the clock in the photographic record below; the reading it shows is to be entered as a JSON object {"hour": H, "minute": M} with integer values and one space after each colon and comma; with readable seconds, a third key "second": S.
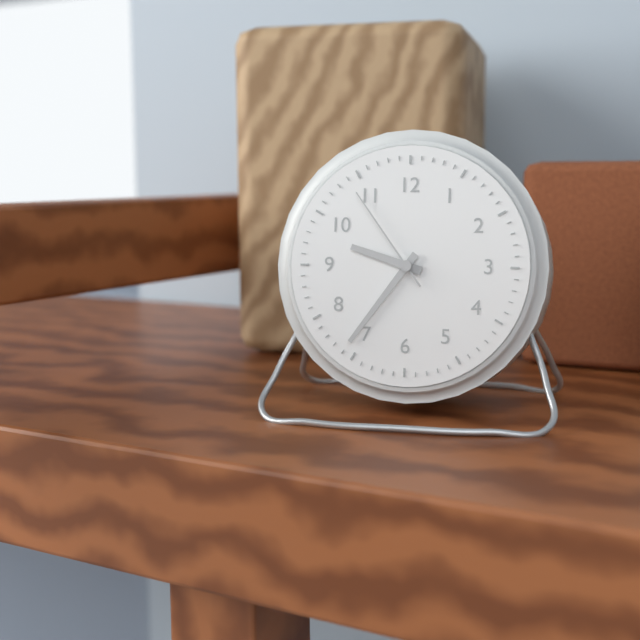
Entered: {"hour": 9, "minute": 36, "second": 54}
